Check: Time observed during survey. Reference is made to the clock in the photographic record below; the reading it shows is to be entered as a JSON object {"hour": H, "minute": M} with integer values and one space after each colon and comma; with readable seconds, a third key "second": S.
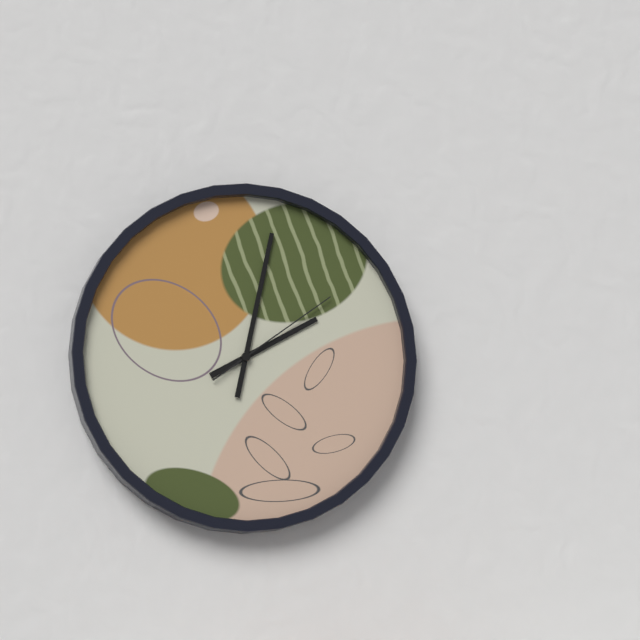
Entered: {"hour": 2, "minute": 2, "second": 9}
